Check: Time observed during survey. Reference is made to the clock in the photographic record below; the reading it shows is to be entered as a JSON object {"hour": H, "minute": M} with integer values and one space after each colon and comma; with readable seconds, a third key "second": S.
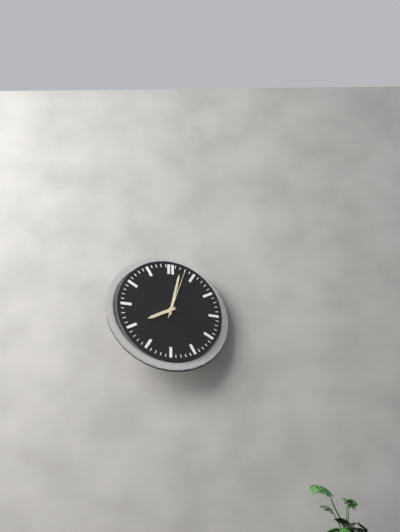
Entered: {"hour": 8, "minute": 2, "second": 3}
